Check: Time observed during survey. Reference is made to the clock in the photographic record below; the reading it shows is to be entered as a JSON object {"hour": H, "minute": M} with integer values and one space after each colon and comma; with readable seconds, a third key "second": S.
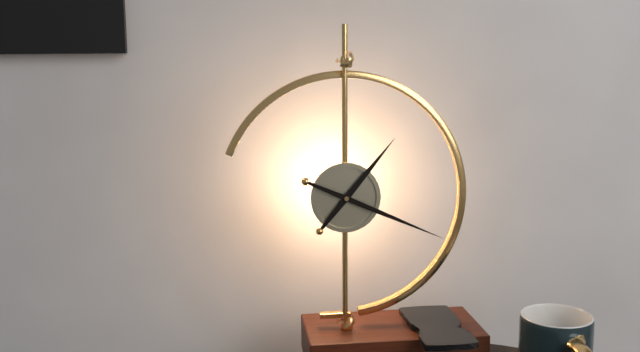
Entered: {"hour": 1, "minute": 19}
